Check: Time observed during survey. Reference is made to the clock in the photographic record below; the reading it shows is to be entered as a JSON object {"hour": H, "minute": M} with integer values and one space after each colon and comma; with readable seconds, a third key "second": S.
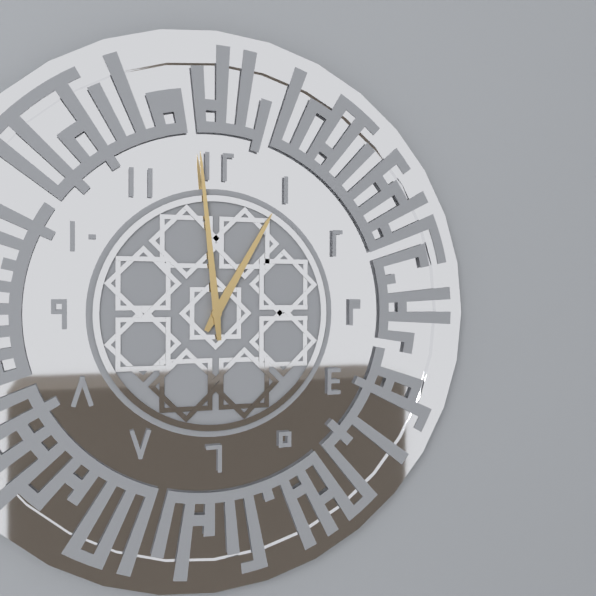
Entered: {"hour": 12, "minute": 59}
